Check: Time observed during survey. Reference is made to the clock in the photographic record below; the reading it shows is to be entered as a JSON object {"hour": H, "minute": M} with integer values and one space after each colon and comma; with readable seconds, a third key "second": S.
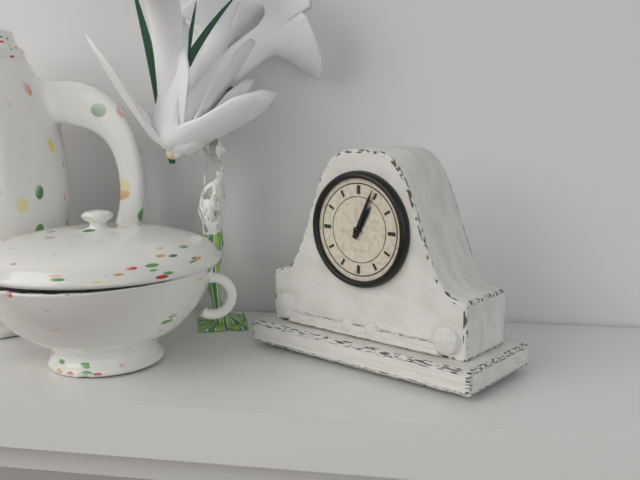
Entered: {"hour": 1, "minute": 4}
